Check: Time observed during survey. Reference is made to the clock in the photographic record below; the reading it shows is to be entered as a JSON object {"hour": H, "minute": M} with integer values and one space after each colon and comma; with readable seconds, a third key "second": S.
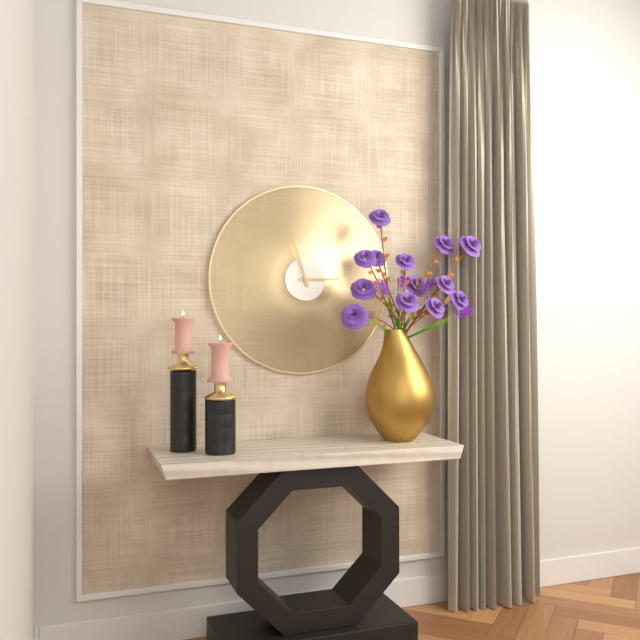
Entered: {"hour": 2, "minute": 57}
